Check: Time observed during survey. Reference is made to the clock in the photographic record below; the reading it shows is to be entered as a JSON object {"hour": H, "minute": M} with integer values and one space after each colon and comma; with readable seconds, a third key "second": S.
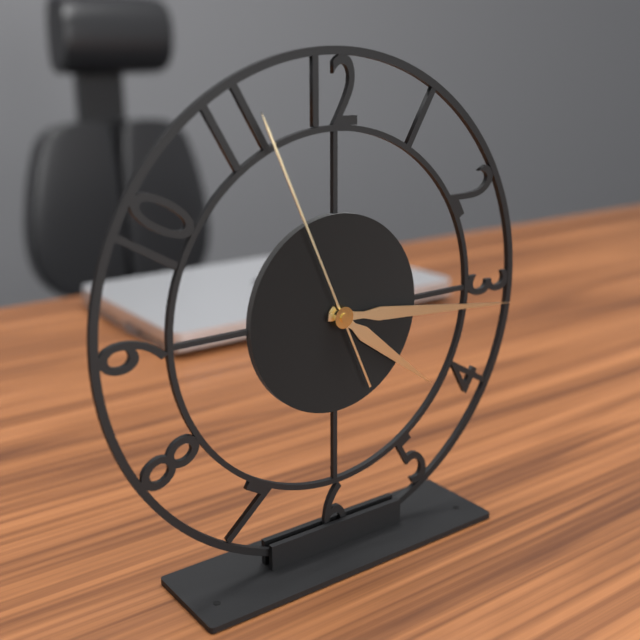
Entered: {"hour": 4, "minute": 16, "second": 56}
